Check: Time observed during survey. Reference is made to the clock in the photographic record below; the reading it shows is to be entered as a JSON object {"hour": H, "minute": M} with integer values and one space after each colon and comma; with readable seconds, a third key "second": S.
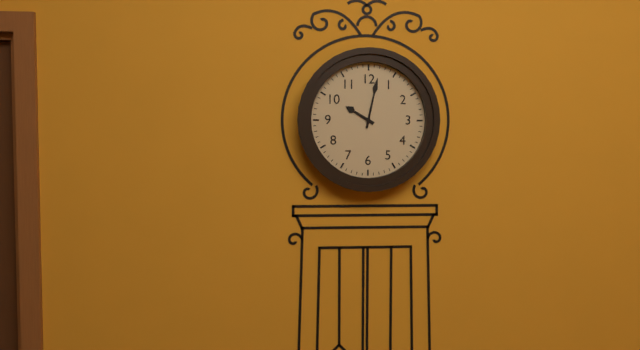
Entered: {"hour": 10, "minute": 2}
